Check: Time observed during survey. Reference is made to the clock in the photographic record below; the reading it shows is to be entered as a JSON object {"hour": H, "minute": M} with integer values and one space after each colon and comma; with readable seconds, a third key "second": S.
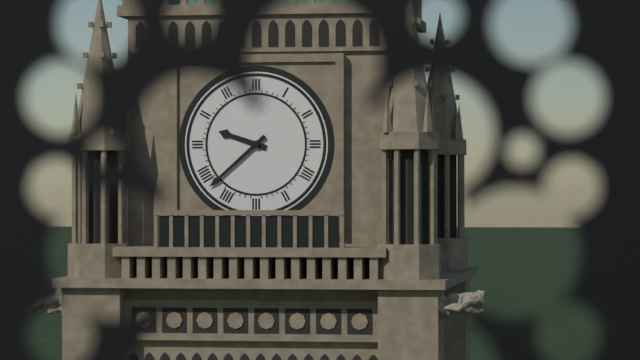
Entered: {"hour": 9, "minute": 38}
